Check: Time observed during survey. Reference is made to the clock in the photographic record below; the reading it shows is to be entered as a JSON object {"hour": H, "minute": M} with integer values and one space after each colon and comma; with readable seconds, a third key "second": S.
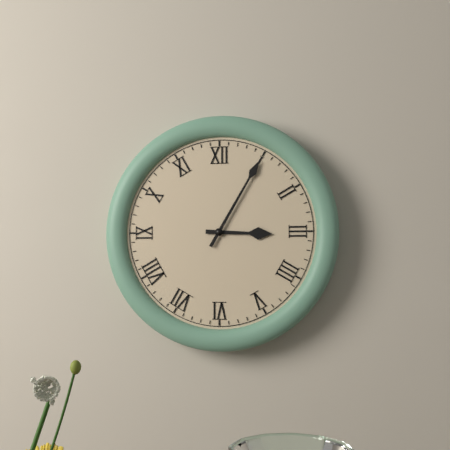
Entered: {"hour": 3, "minute": 5}
